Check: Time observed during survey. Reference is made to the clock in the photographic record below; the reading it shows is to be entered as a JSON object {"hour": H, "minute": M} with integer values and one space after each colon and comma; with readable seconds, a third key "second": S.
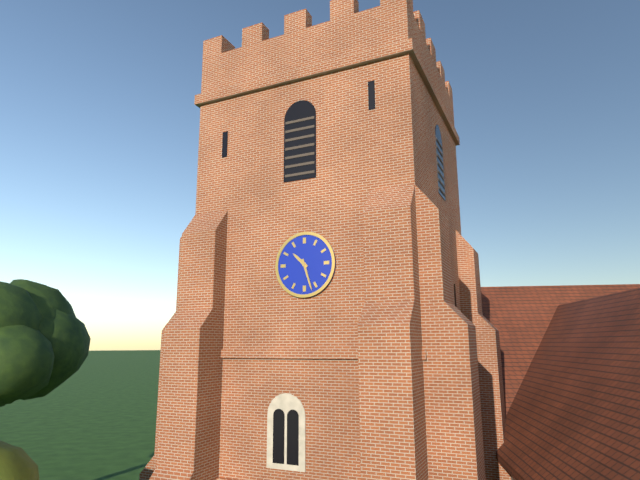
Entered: {"hour": 10, "minute": 27}
